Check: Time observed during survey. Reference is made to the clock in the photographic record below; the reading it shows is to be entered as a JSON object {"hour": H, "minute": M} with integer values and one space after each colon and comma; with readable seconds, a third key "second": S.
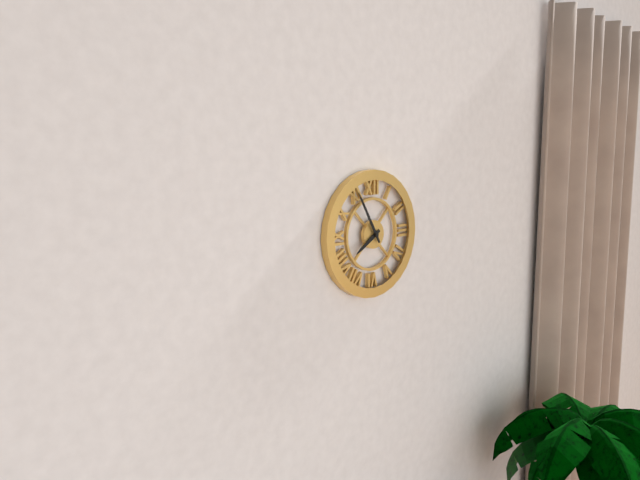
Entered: {"hour": 7, "minute": 55}
